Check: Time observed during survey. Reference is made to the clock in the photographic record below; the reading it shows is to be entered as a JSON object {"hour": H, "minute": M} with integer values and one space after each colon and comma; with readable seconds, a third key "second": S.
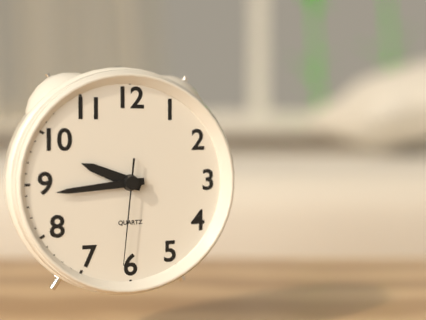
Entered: {"hour": 9, "minute": 44, "second": 31}
